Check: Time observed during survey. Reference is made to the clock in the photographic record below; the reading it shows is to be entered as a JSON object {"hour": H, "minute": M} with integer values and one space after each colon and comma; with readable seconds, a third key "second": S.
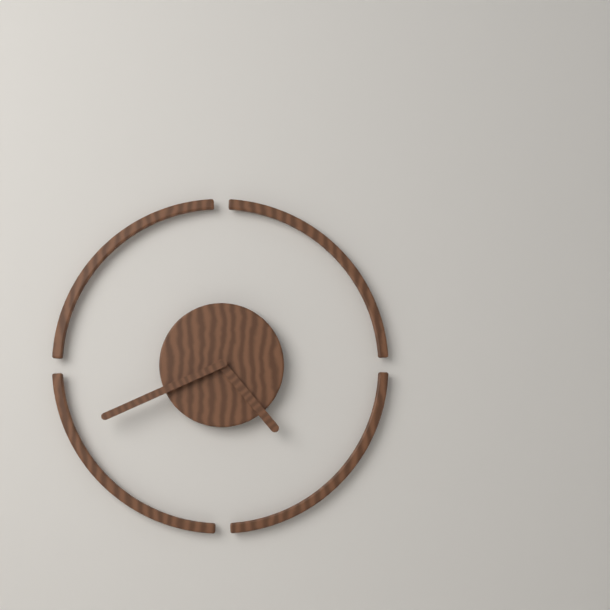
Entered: {"hour": 4, "minute": 41}
